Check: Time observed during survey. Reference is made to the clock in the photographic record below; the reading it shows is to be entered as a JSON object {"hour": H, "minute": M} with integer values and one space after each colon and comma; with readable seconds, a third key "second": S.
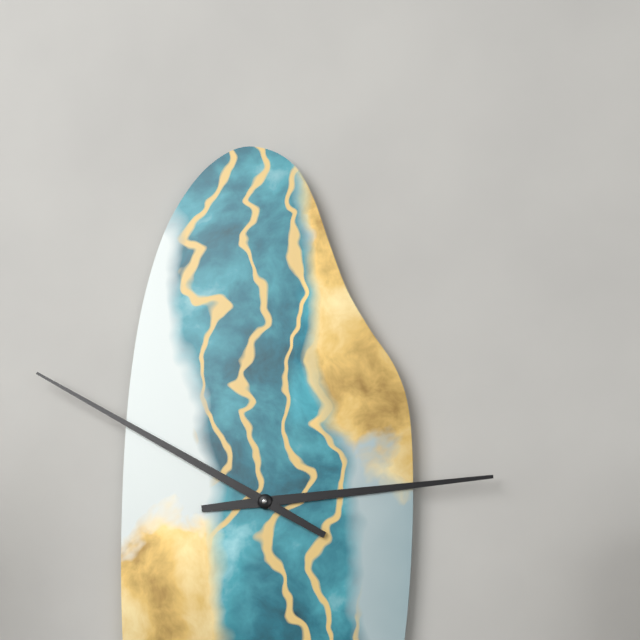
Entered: {"hour": 2, "minute": 50}
